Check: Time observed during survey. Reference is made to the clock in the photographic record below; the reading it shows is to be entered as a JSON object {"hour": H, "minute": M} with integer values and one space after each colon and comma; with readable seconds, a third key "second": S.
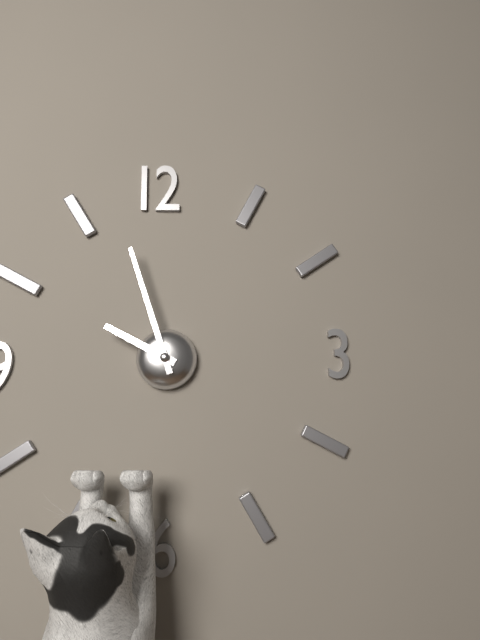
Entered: {"hour": 9, "minute": 57}
